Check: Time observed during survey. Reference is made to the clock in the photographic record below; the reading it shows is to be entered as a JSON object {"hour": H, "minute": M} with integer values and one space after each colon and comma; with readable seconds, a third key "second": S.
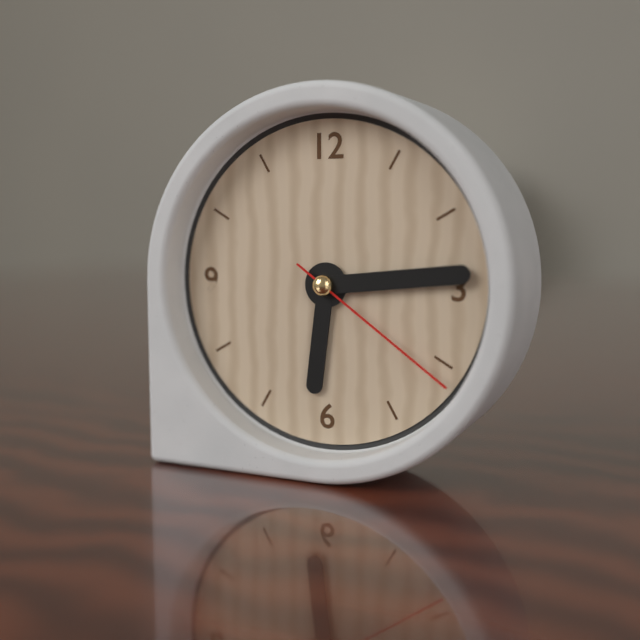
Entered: {"hour": 6, "minute": 14, "second": 21}
